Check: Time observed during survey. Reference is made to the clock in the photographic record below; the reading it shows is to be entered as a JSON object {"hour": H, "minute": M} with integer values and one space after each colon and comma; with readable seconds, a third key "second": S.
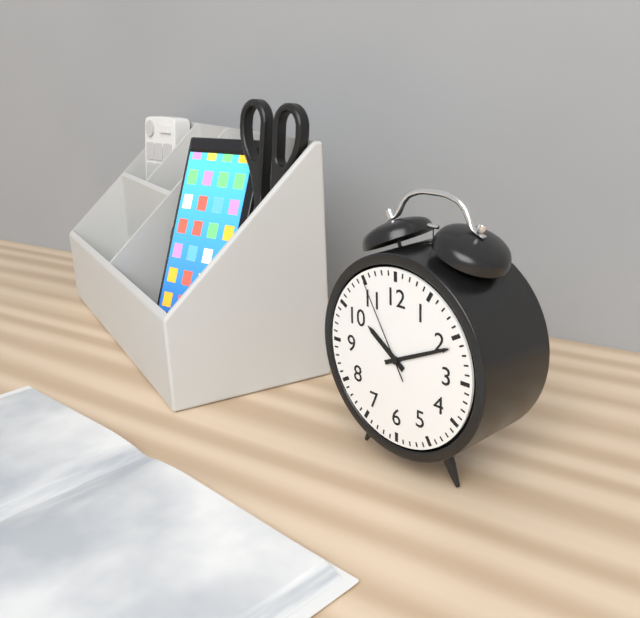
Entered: {"hour": 10, "minute": 11, "second": 55}
